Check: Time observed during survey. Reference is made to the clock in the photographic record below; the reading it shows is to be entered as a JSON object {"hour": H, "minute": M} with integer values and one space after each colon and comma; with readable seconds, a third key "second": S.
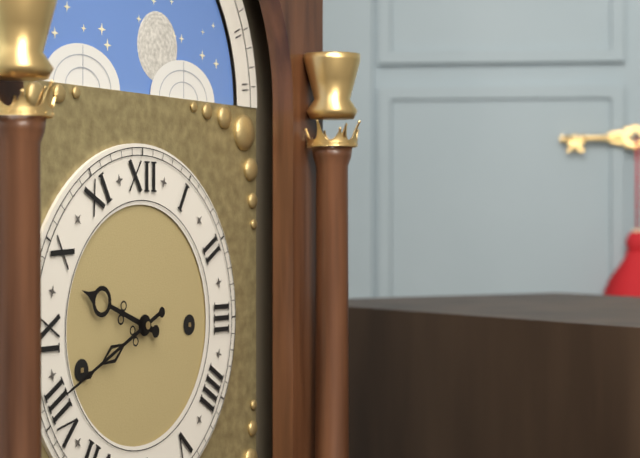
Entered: {"hour": 9, "minute": 41}
